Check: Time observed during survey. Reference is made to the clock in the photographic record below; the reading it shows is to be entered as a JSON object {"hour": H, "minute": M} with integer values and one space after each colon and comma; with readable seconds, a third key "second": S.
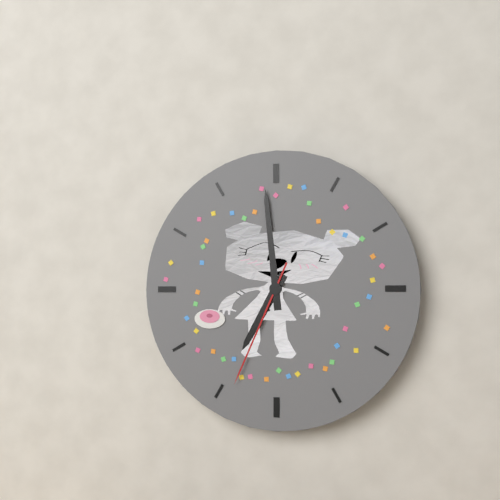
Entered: {"hour": 6, "minute": 59, "second": 34}
